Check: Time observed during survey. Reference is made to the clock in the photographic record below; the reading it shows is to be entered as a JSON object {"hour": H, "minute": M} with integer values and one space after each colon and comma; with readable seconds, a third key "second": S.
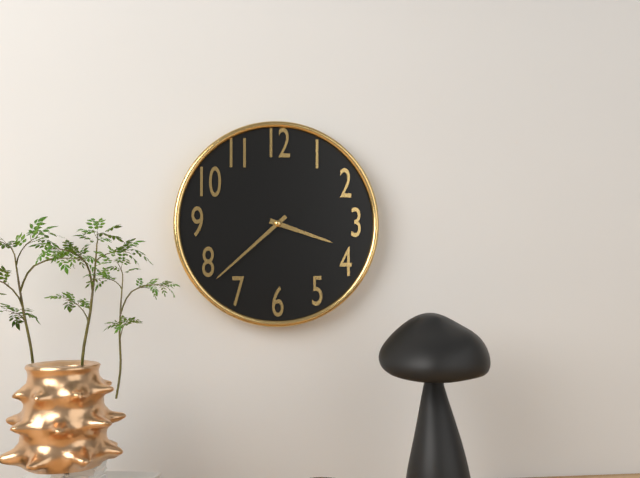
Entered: {"hour": 3, "minute": 38}
